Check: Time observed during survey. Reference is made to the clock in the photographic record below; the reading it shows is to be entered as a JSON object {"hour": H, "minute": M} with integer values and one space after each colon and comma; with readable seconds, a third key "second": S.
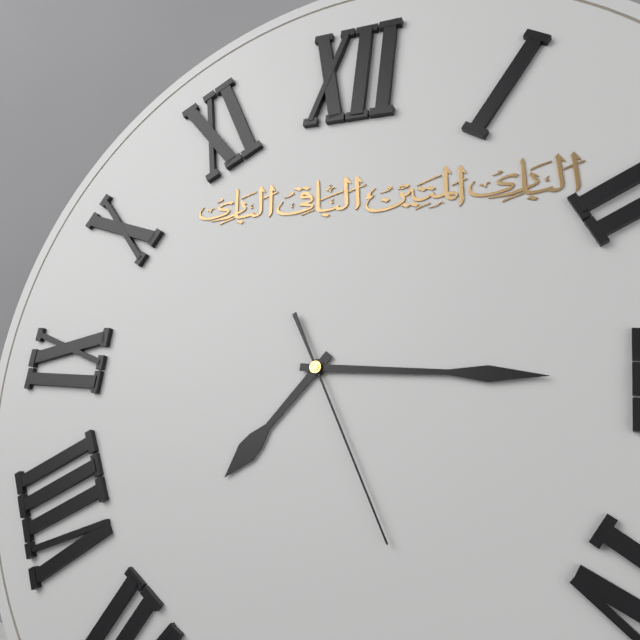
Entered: {"hour": 7, "minute": 15, "second": 25}
